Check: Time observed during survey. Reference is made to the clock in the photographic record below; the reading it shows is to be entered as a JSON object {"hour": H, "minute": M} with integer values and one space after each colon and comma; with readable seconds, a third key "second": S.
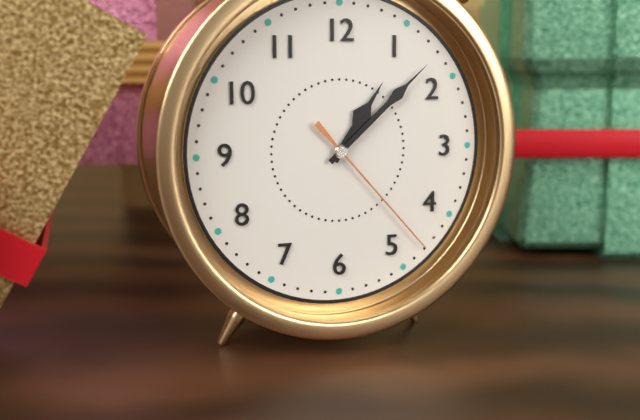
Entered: {"hour": 1, "minute": 8, "second": 23}
